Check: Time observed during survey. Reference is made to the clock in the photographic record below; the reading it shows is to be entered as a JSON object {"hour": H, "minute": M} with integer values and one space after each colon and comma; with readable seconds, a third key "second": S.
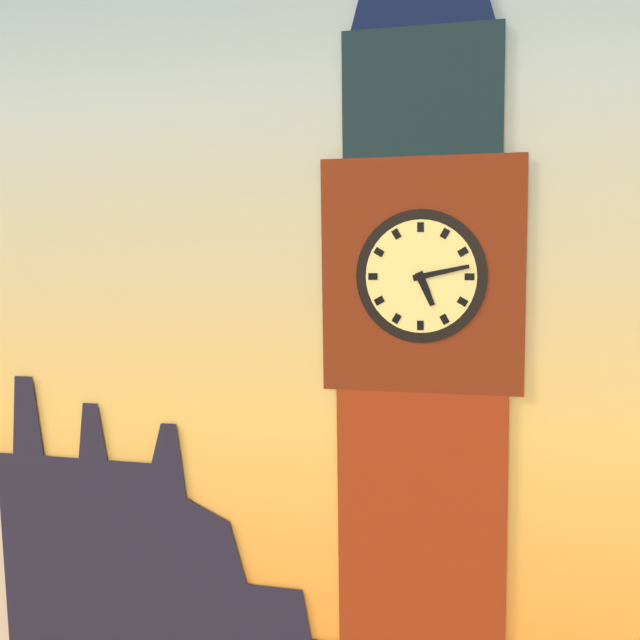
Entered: {"hour": 5, "minute": 13}
